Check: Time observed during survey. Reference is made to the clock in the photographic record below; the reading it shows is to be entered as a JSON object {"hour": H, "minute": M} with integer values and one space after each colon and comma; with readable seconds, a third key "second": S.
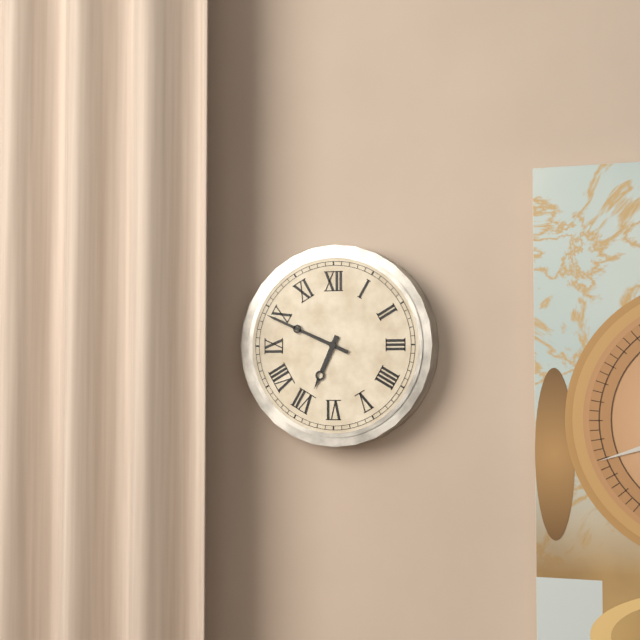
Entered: {"hour": 6, "minute": 49}
